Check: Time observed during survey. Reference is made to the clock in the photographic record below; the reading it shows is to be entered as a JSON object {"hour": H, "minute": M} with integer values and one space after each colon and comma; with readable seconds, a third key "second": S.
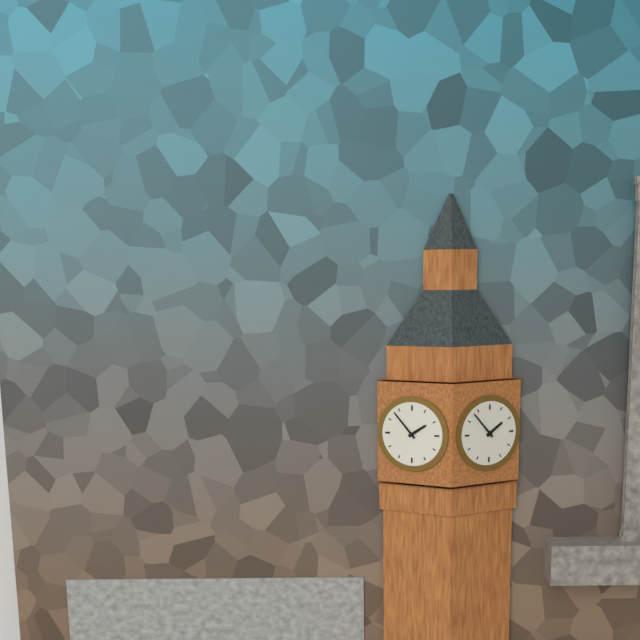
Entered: {"hour": 1, "minute": 53}
